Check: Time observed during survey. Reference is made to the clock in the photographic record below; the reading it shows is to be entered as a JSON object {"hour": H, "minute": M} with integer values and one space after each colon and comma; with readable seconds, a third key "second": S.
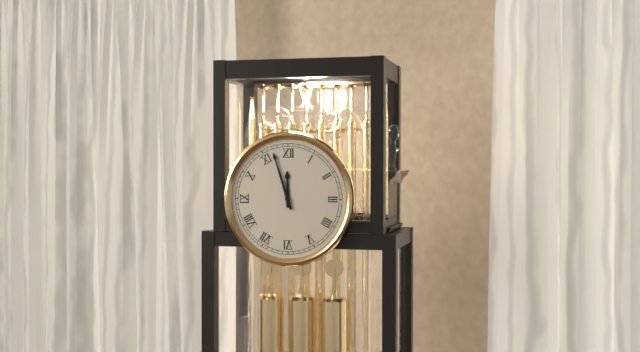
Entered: {"hour": 11, "minute": 57}
